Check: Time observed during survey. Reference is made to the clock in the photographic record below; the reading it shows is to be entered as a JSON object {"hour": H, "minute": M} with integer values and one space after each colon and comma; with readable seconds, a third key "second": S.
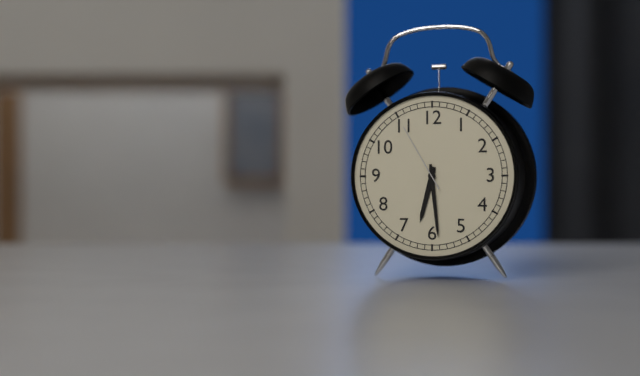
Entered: {"hour": 6, "minute": 29, "second": 55}
